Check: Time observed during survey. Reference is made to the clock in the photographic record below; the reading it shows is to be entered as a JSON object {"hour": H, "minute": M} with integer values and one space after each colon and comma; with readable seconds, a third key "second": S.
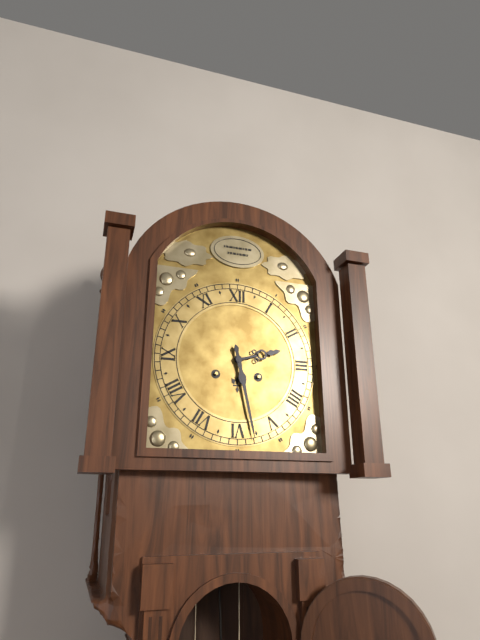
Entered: {"hour": 2, "minute": 28}
